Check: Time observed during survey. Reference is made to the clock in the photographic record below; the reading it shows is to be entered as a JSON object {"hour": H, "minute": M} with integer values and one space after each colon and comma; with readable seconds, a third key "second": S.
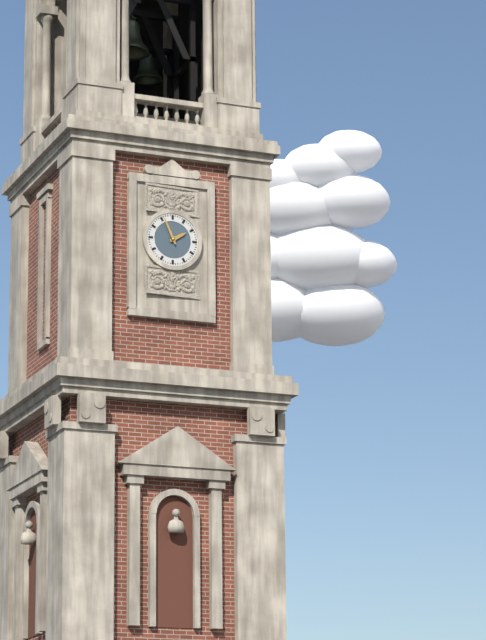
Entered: {"hour": 1, "minute": 56}
